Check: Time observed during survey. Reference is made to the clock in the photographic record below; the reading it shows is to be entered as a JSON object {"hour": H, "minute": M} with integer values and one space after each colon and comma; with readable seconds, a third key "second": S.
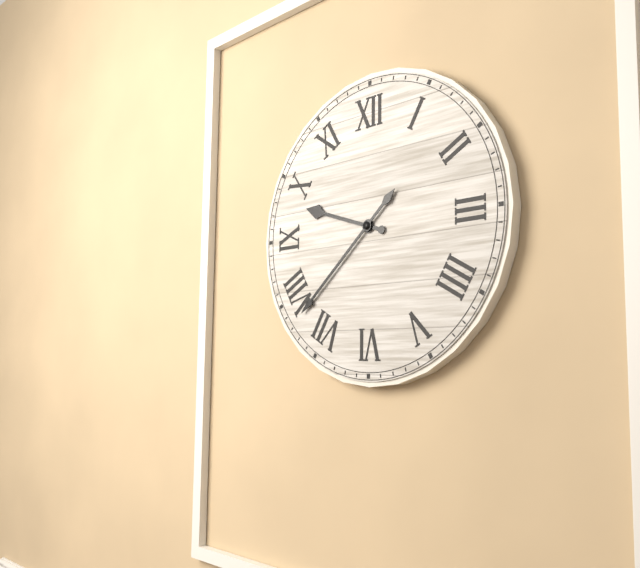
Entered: {"hour": 9, "minute": 38}
